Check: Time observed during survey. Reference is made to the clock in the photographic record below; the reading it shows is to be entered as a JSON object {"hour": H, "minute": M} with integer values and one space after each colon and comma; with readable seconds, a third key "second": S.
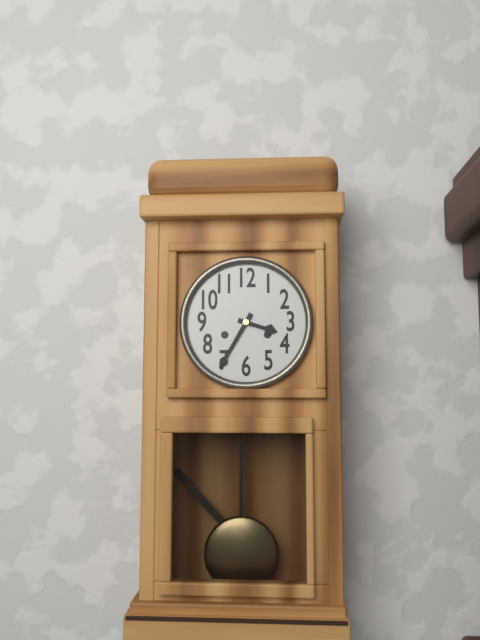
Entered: {"hour": 3, "minute": 35}
